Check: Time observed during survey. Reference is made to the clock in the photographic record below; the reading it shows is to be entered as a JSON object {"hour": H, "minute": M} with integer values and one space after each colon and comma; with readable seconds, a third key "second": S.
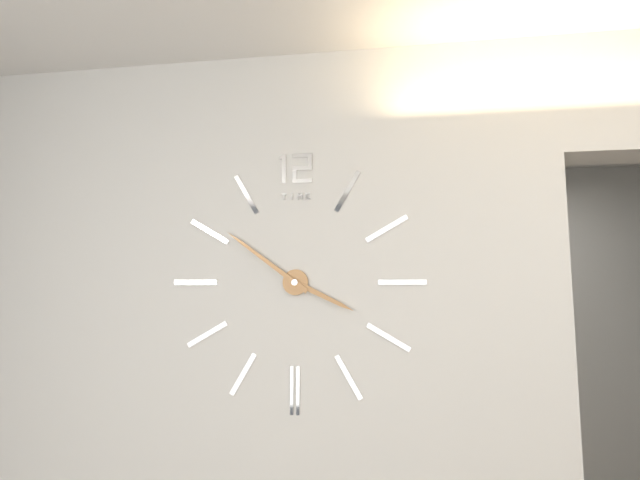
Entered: {"hour": 3, "minute": 51}
